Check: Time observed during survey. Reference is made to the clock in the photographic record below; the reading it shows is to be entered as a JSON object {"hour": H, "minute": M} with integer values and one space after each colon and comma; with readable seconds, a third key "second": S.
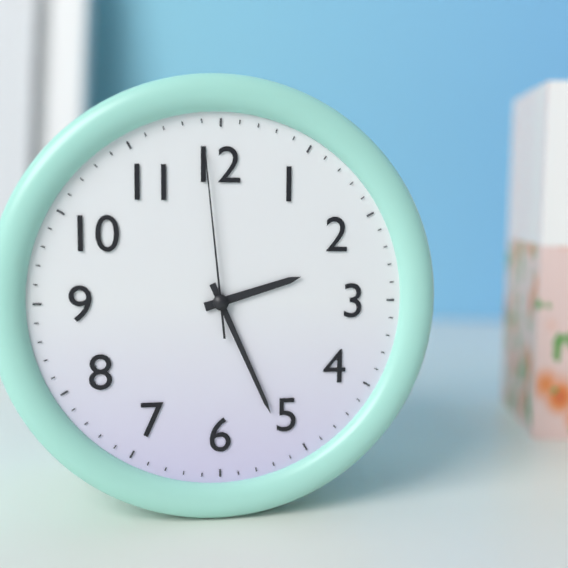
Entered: {"hour": 2, "minute": 26, "second": 59}
